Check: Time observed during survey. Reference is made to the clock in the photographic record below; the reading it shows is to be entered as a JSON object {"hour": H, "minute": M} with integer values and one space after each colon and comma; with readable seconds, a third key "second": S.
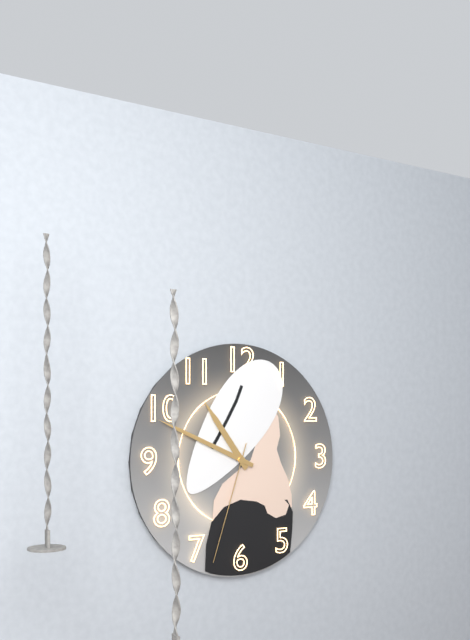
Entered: {"hour": 10, "minute": 49, "second": 33}
